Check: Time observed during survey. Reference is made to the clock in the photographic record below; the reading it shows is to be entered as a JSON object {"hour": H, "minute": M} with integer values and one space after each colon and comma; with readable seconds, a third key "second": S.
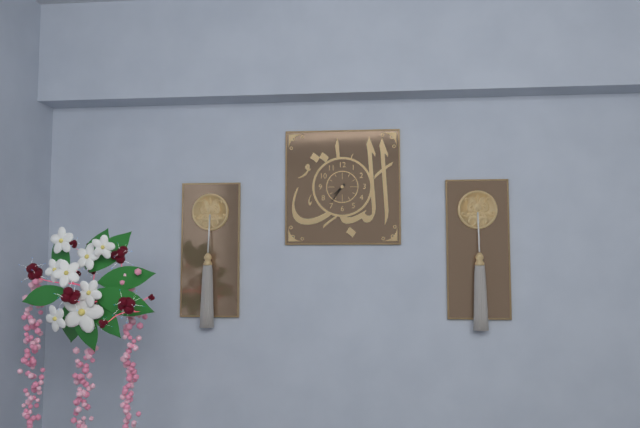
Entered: {"hour": 7, "minute": 36}
